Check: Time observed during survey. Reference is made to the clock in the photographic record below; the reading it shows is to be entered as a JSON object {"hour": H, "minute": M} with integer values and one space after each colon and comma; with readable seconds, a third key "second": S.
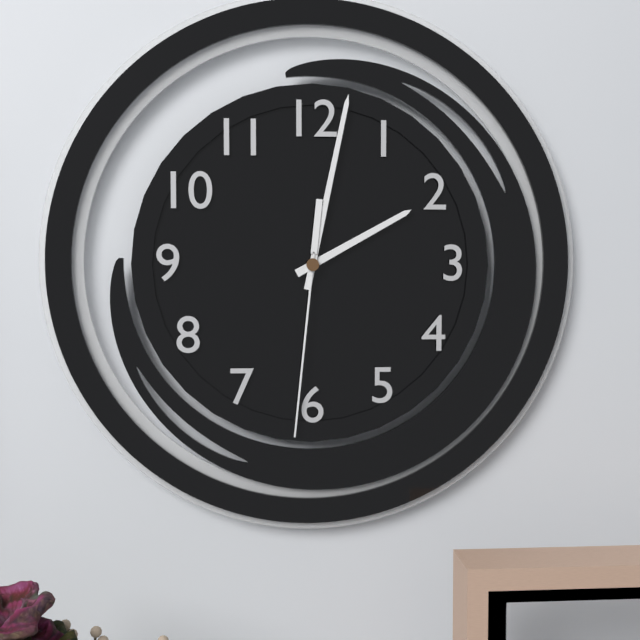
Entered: {"hour": 2, "minute": 2, "second": 31}
